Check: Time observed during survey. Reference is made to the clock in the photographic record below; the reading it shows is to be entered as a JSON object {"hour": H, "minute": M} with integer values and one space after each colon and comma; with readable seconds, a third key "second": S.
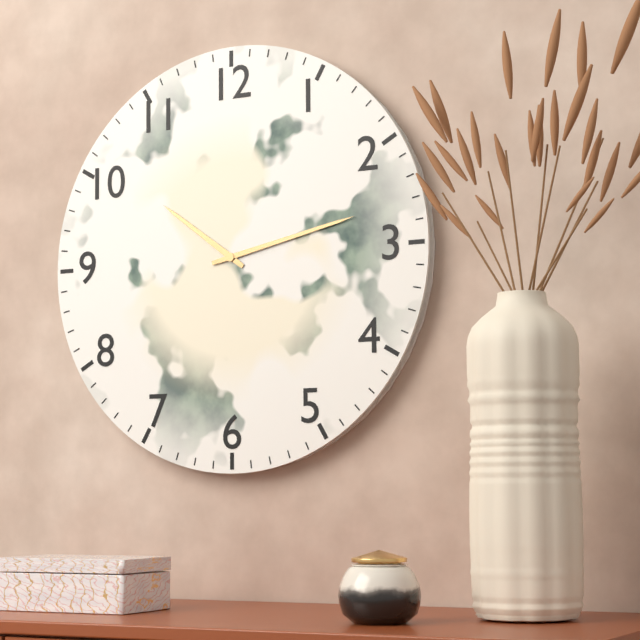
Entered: {"hour": 10, "minute": 13}
